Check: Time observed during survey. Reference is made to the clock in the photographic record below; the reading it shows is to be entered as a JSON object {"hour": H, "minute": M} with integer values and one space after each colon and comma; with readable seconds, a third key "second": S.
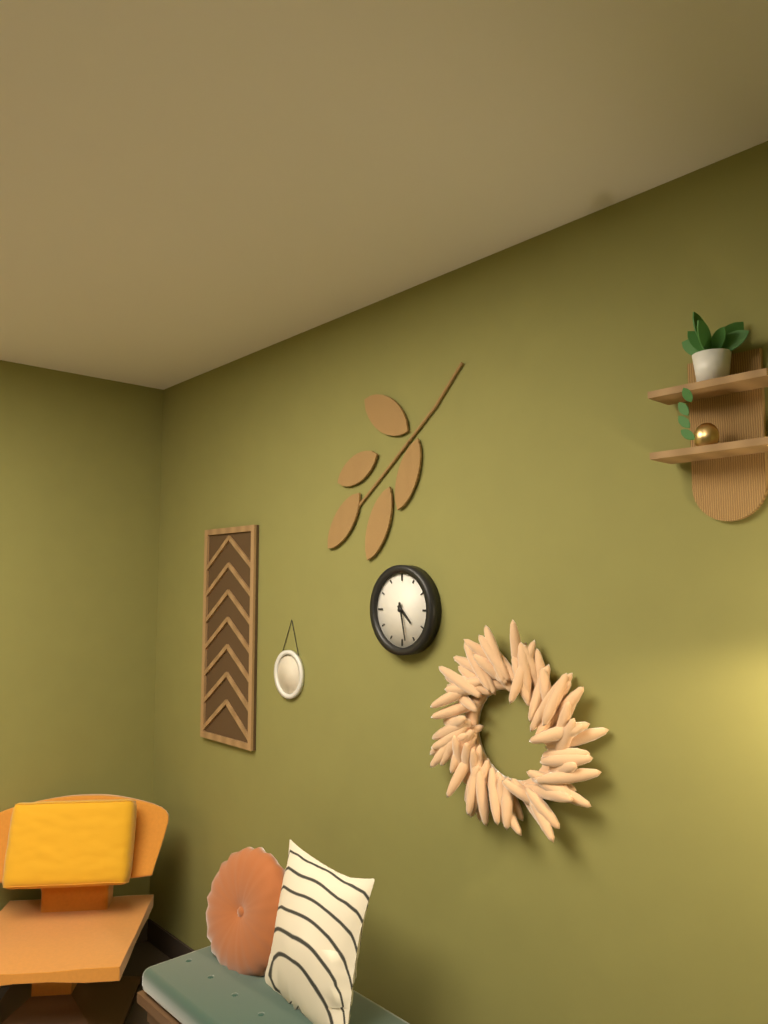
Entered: {"hour": 4, "minute": 28}
